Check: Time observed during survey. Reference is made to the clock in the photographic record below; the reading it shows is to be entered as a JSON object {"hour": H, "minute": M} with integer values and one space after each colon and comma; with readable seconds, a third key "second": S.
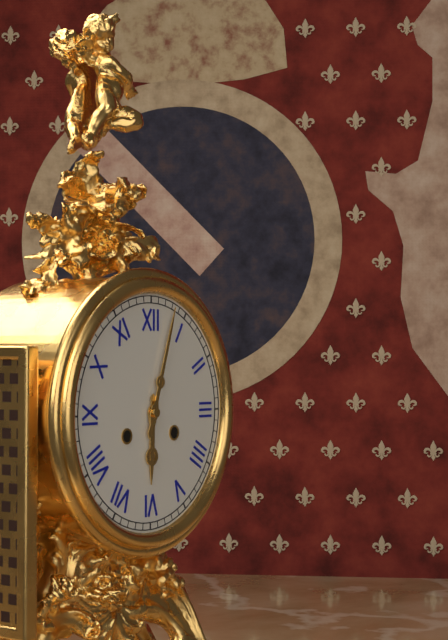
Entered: {"hour": 6, "minute": 3}
